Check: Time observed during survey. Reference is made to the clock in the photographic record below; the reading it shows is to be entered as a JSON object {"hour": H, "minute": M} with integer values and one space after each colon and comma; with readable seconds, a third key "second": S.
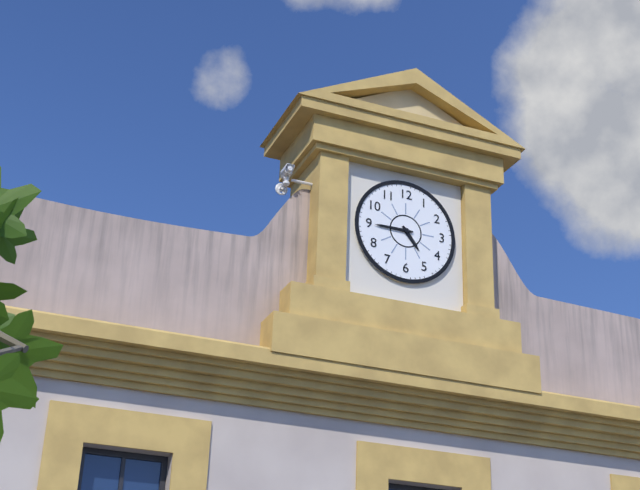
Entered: {"hour": 4, "minute": 45}
